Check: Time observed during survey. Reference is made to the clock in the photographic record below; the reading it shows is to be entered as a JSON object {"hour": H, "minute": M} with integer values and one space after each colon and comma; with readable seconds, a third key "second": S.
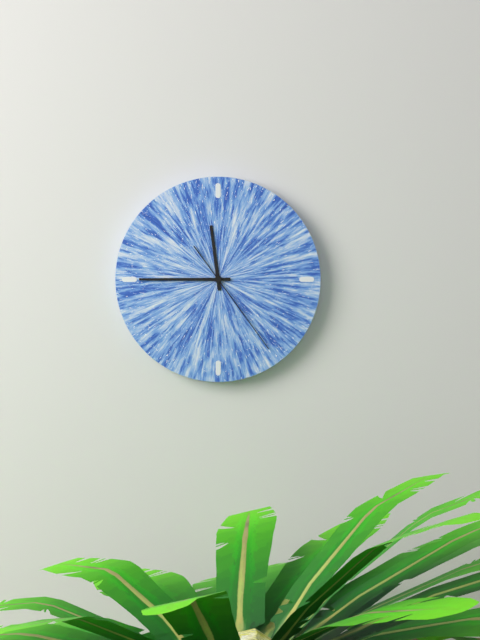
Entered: {"hour": 11, "minute": 45, "second": 24}
